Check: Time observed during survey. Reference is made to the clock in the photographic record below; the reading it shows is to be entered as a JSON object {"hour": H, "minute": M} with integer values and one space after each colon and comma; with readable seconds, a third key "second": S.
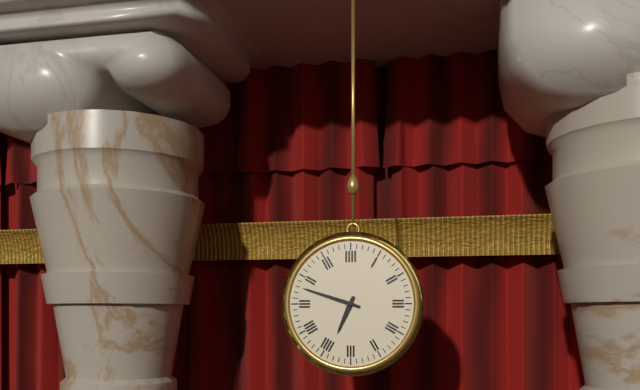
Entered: {"hour": 6, "minute": 48}
